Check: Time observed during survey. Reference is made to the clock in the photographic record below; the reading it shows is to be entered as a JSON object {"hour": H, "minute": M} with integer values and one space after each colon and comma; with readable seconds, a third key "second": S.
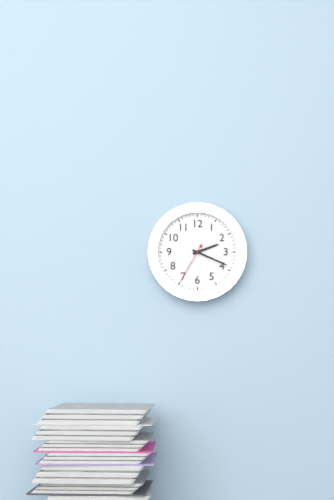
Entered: {"hour": 2, "minute": 19}
